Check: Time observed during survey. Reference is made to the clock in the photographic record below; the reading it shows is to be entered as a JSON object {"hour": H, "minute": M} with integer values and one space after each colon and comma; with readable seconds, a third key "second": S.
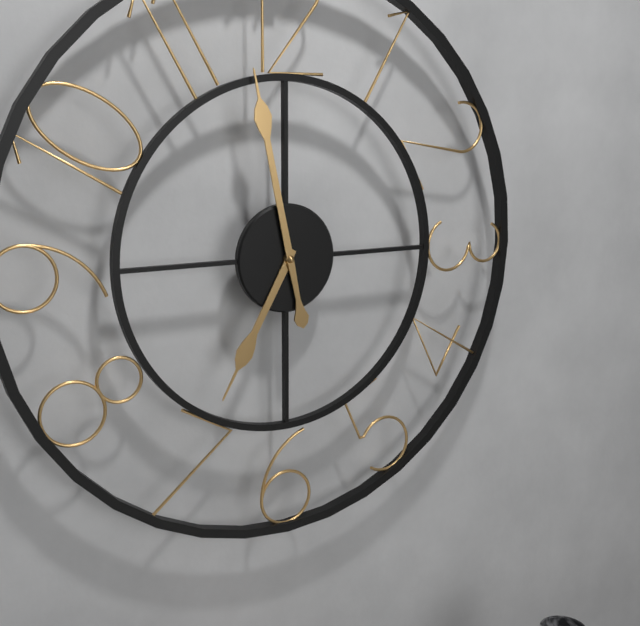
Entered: {"hour": 6, "minute": 58}
